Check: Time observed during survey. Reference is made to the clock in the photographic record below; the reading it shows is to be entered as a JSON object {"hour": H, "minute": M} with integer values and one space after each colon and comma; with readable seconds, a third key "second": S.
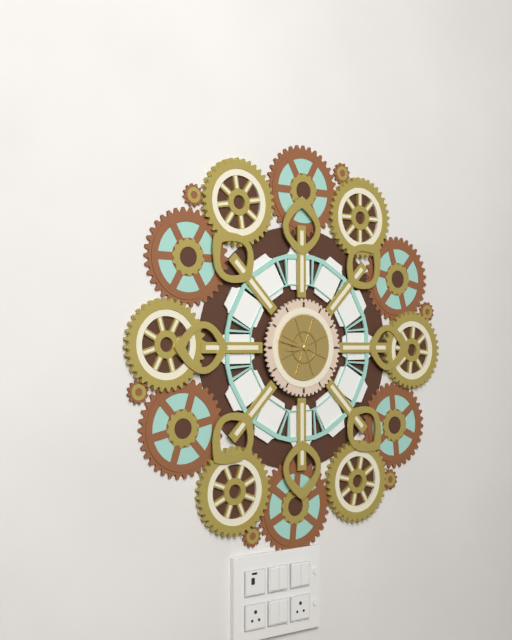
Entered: {"hour": 8, "minute": 47}
